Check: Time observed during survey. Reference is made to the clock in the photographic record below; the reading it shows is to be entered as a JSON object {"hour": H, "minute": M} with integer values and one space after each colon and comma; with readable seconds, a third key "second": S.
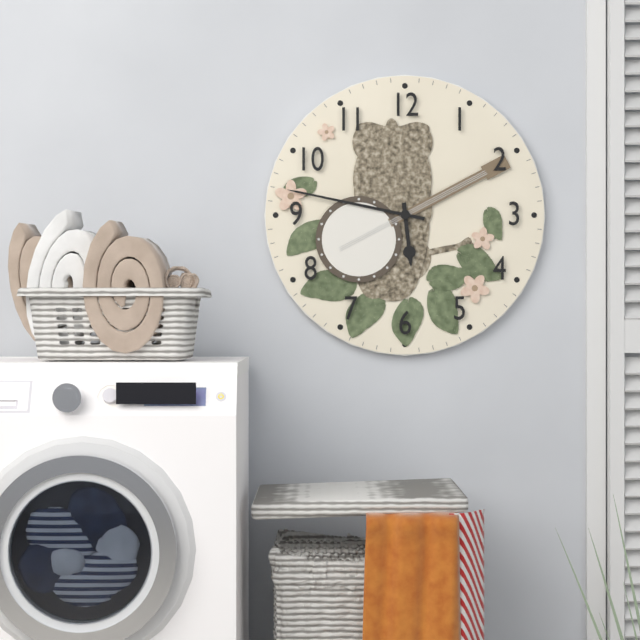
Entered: {"hour": 5, "minute": 47}
